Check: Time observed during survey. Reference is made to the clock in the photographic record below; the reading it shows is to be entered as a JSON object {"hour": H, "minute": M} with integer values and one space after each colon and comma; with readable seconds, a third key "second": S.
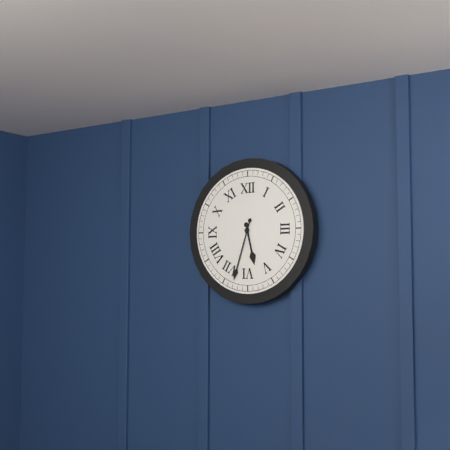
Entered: {"hour": 5, "minute": 33}
